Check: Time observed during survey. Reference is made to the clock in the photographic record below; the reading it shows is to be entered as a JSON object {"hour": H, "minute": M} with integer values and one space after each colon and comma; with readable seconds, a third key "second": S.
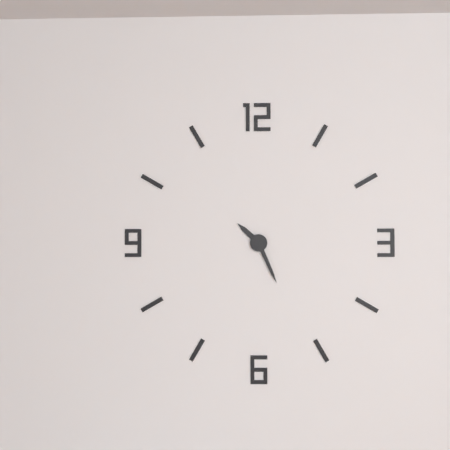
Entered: {"hour": 10, "minute": 26}
